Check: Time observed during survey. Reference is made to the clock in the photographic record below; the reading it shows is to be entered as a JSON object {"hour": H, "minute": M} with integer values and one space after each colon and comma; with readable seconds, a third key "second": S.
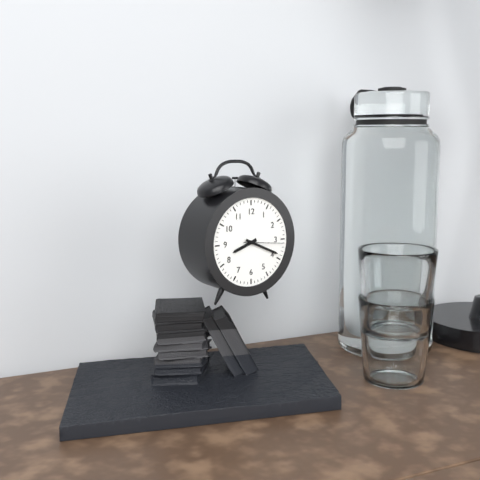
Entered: {"hour": 8, "minute": 19}
